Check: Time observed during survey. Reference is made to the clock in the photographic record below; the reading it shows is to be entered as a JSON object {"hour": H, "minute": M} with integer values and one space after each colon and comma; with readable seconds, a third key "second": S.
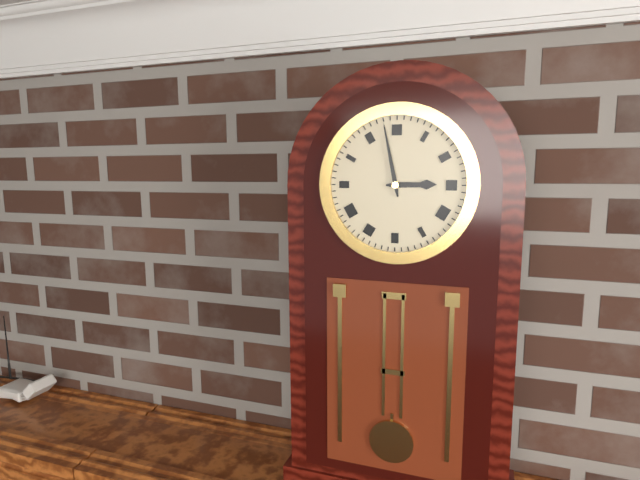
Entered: {"hour": 2, "minute": 58}
